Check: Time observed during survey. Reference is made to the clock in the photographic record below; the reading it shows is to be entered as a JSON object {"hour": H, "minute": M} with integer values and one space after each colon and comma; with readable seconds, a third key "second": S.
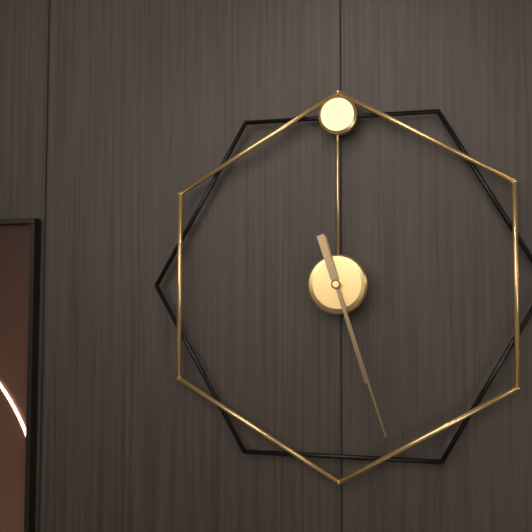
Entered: {"hour": 5, "minute": 27}
